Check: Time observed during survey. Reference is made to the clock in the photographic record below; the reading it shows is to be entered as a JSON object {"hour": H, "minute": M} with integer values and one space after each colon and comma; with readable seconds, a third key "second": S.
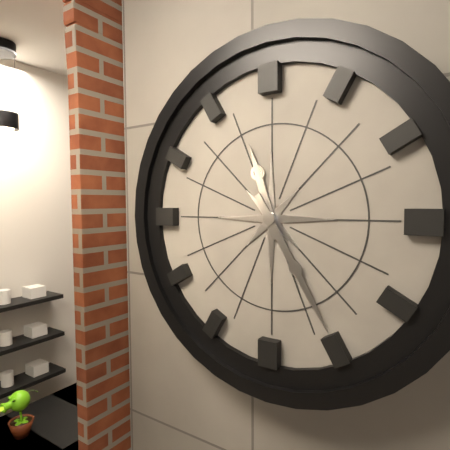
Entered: {"hour": 11, "minute": 25}
